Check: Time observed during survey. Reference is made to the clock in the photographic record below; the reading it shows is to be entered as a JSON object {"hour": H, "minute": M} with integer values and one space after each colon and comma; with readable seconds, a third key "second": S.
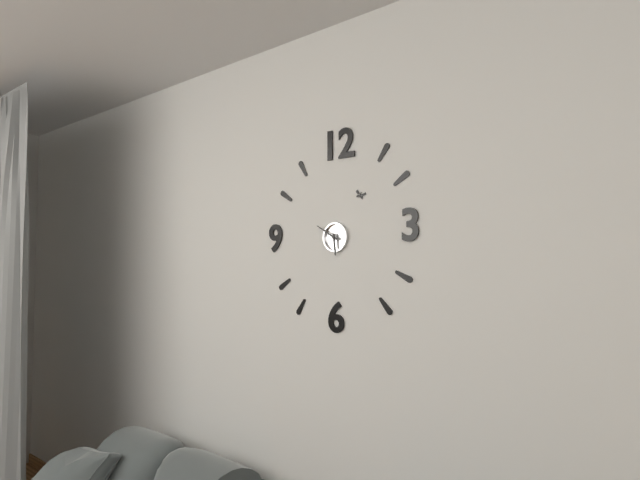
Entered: {"hour": 5, "minute": 50}
